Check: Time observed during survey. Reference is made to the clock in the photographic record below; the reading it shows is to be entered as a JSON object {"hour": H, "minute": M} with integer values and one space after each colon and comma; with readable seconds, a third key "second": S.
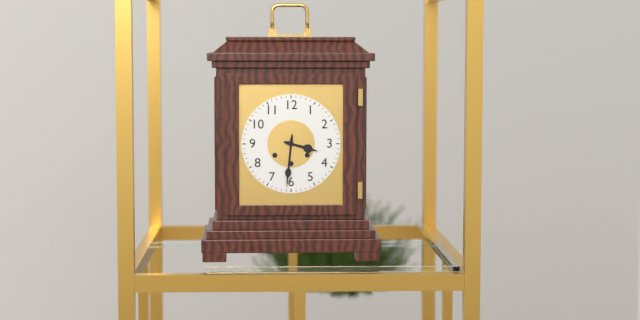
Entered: {"hour": 3, "minute": 31}
